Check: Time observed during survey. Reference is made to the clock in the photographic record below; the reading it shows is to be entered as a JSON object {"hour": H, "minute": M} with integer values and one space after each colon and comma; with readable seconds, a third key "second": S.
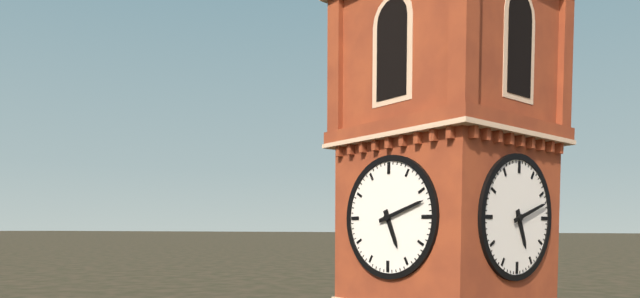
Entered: {"hour": 5, "minute": 12}
